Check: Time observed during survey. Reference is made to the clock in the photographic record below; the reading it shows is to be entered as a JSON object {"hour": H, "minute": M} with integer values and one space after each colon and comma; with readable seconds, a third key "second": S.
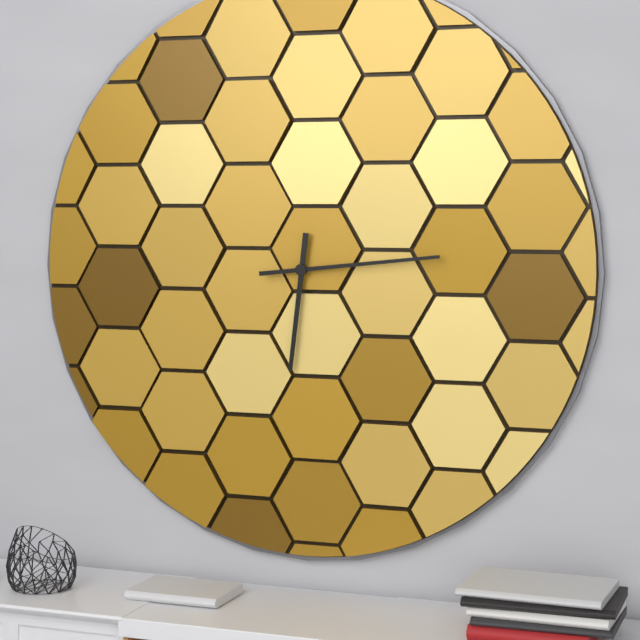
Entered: {"hour": 6, "minute": 14}
